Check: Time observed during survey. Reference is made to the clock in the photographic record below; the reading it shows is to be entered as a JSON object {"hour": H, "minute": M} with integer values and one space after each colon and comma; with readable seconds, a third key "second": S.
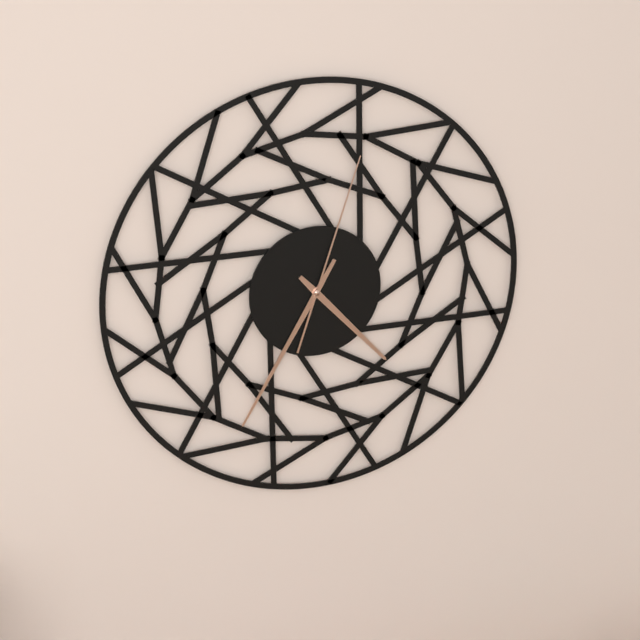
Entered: {"hour": 4, "minute": 35, "second": 3}
